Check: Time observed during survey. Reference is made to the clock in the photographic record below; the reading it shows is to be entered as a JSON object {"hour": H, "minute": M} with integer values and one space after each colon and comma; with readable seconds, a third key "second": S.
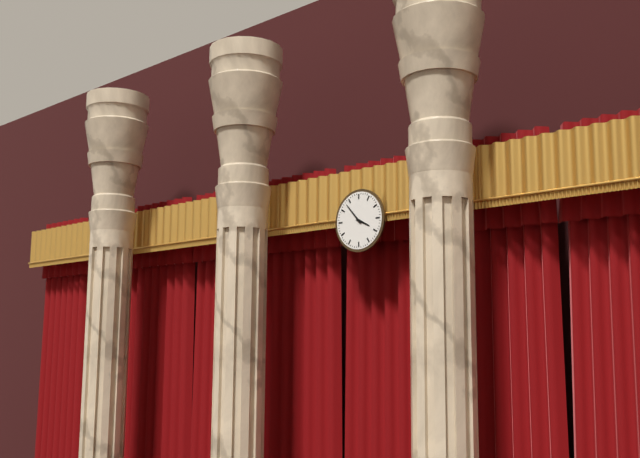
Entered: {"hour": 3, "minute": 53}
